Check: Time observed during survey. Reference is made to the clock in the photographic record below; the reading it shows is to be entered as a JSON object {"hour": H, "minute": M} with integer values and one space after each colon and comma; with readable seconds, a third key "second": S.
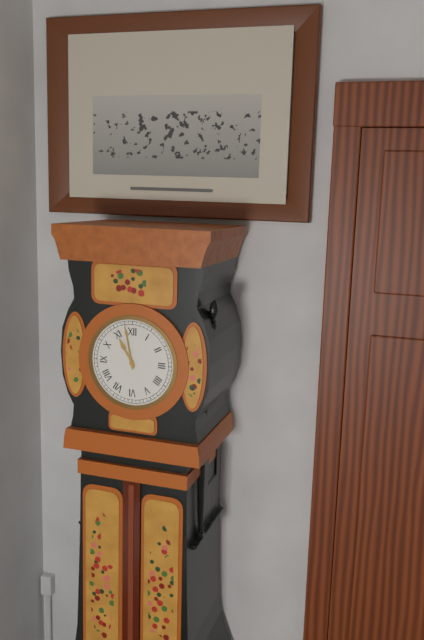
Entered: {"hour": 10, "minute": 58}
